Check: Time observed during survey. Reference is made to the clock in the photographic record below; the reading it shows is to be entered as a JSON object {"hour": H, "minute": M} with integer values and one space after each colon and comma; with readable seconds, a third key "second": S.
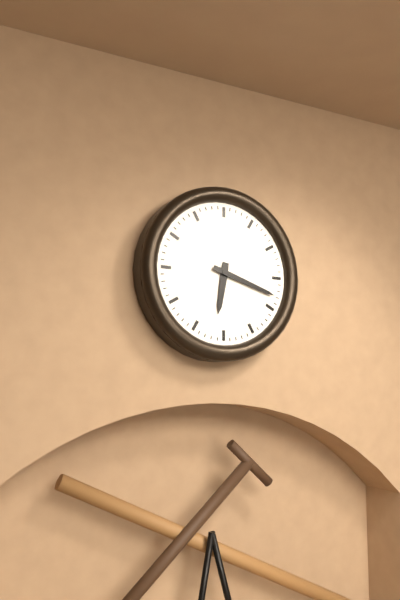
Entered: {"hour": 6, "minute": 18}
